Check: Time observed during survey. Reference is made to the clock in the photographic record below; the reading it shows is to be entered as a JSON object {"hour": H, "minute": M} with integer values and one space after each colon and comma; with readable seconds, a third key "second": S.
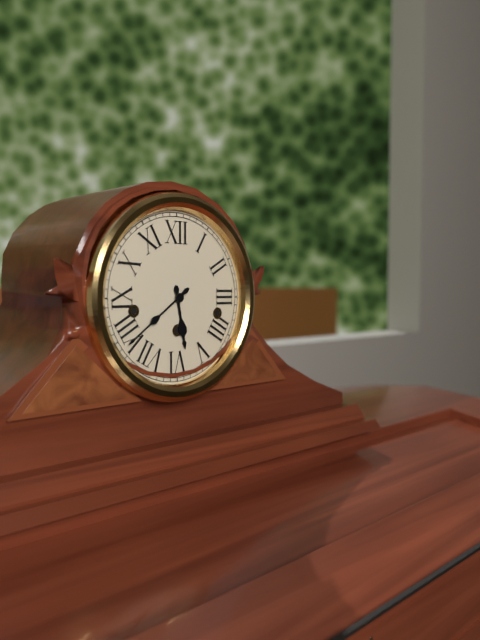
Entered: {"hour": 5, "minute": 39}
